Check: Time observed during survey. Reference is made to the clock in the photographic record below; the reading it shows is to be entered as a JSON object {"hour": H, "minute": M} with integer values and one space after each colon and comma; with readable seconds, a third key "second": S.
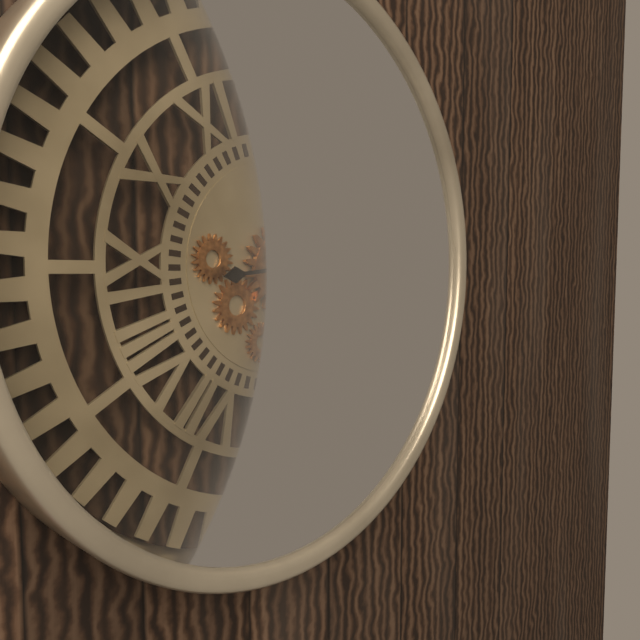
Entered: {"hour": 4, "minute": 14}
